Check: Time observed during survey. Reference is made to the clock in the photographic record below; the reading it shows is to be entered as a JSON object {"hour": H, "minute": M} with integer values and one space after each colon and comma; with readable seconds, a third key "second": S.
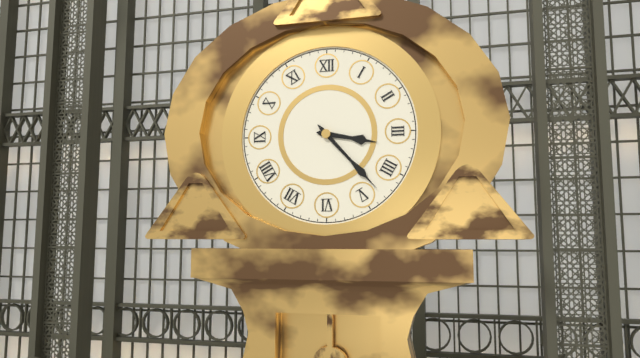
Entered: {"hour": 3, "minute": 23}
